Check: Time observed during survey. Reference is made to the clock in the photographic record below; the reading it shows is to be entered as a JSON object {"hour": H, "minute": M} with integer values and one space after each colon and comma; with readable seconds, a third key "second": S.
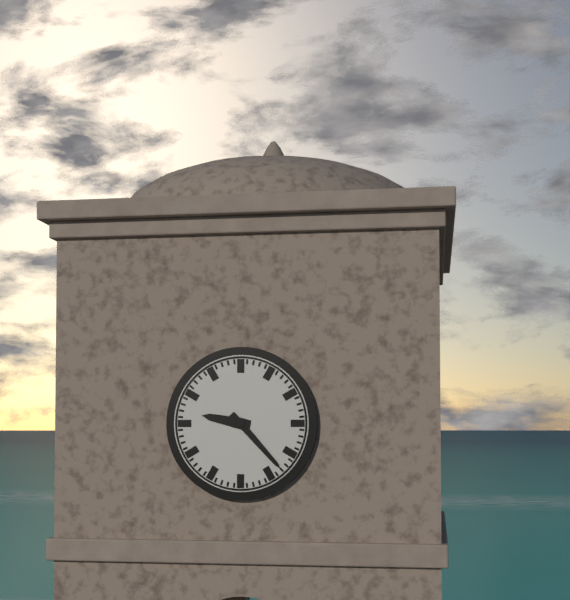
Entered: {"hour": 9, "minute": 23}
